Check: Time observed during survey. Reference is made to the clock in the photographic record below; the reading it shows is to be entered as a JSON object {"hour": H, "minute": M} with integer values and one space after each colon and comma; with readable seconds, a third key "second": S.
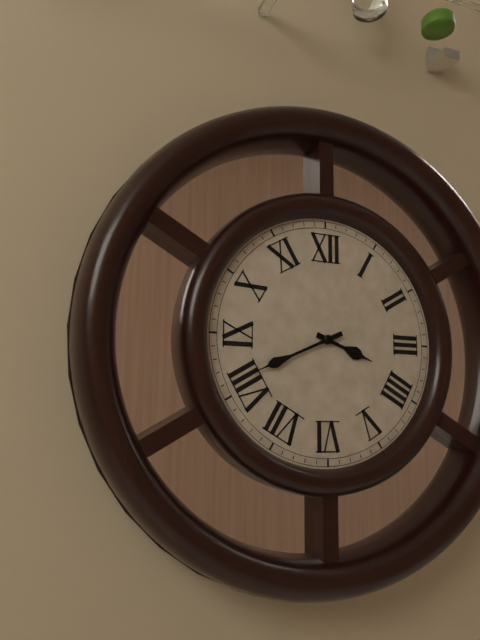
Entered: {"hour": 3, "minute": 41}
